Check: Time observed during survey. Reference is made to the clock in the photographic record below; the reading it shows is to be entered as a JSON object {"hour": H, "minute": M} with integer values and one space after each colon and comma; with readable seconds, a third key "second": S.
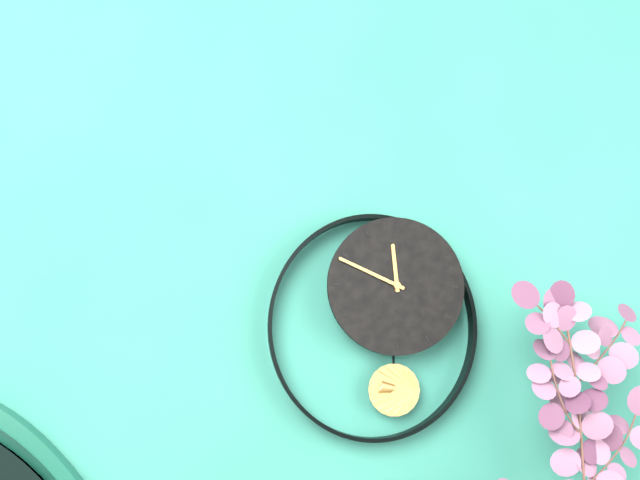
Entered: {"hour": 11, "minute": 49}
